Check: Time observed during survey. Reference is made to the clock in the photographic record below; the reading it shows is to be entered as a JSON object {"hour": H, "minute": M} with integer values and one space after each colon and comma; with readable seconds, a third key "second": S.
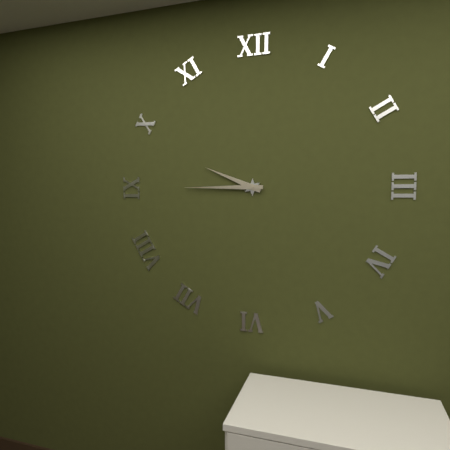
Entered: {"hour": 9, "minute": 45}
